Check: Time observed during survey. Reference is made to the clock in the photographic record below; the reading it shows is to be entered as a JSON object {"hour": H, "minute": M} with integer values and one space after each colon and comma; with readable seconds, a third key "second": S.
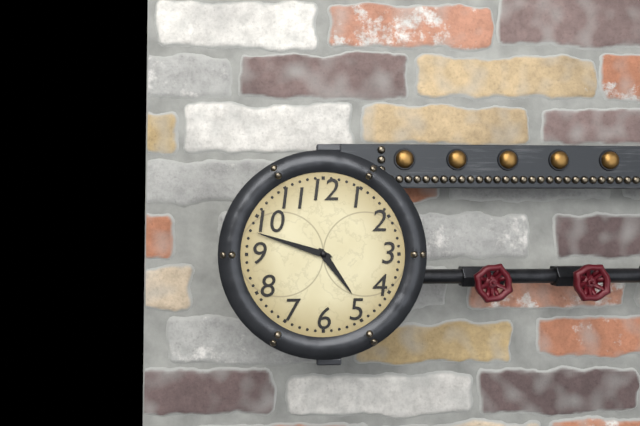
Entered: {"hour": 4, "minute": 48}
